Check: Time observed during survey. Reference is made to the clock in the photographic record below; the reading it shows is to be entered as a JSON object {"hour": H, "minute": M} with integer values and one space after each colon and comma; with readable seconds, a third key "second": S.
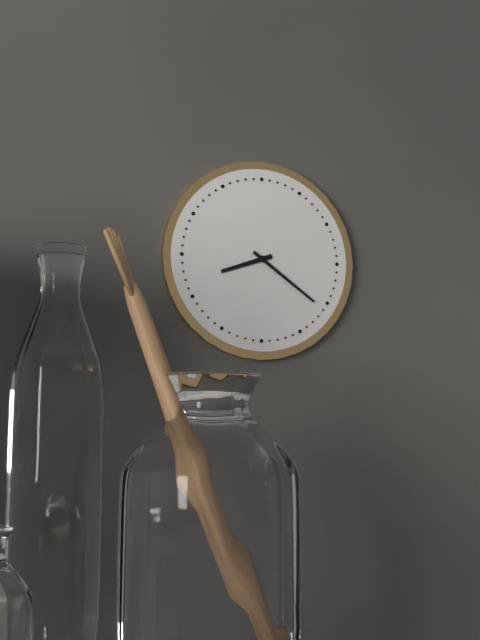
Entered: {"hour": 8, "minute": 21}
